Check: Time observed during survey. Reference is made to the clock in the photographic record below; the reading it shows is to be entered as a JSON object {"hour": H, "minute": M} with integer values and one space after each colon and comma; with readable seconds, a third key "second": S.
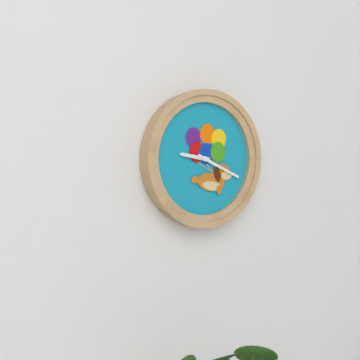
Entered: {"hour": 9, "minute": 19}
